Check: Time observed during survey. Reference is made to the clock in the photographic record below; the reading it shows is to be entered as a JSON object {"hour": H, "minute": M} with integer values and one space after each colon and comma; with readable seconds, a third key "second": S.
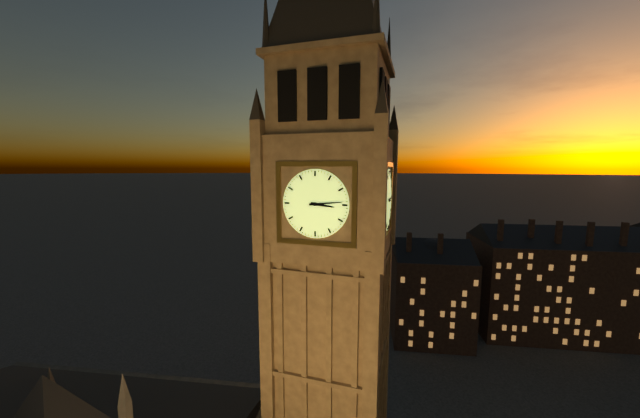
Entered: {"hour": 3, "minute": 14}
